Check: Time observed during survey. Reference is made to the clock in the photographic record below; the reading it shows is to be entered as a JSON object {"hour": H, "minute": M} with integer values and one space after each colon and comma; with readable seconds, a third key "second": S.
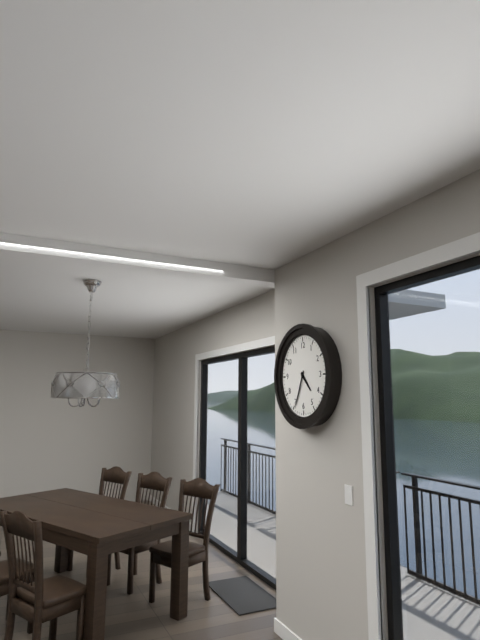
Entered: {"hour": 4, "minute": 34}
